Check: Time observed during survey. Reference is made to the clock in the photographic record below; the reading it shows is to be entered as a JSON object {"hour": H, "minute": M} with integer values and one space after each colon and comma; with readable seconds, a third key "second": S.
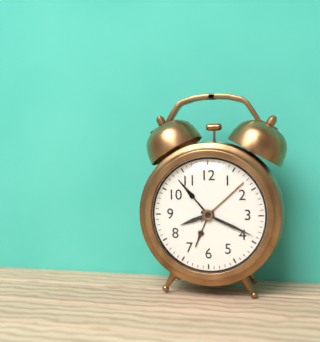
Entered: {"hour": 8, "minute": 19}
